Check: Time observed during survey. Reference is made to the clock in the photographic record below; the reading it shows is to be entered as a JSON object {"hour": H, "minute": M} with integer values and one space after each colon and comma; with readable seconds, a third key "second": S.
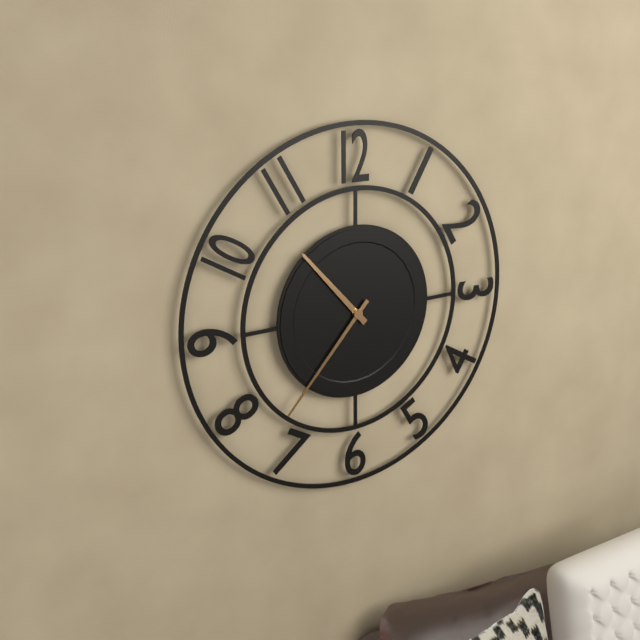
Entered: {"hour": 10, "minute": 37}
